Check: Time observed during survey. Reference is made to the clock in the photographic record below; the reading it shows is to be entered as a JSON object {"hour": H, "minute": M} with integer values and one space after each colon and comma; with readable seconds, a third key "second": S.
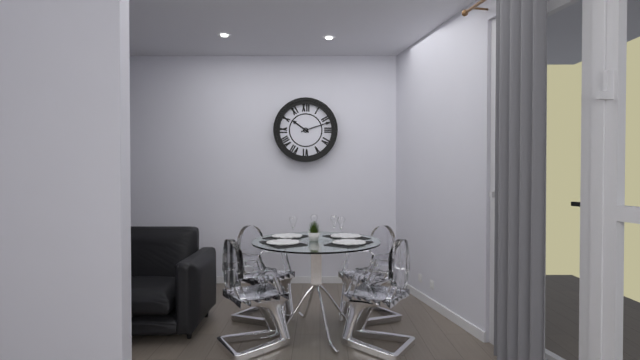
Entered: {"hour": 10, "minute": 12}
